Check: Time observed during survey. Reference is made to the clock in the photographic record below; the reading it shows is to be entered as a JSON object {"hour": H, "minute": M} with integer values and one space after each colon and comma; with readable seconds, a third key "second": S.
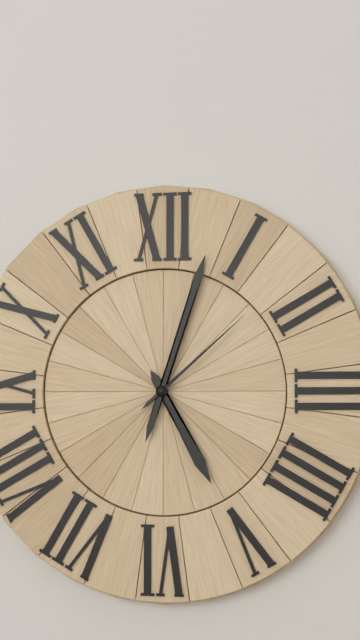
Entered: {"hour": 5, "minute": 3, "second": 8}
